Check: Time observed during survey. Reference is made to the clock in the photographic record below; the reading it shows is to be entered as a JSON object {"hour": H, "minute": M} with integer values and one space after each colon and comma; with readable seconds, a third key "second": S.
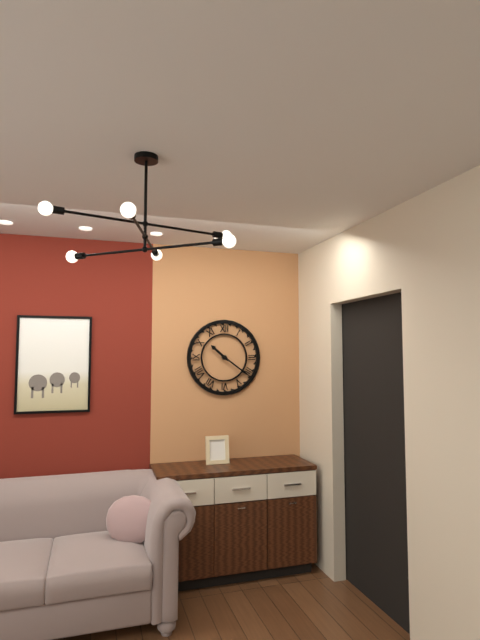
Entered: {"hour": 10, "minute": 21}
